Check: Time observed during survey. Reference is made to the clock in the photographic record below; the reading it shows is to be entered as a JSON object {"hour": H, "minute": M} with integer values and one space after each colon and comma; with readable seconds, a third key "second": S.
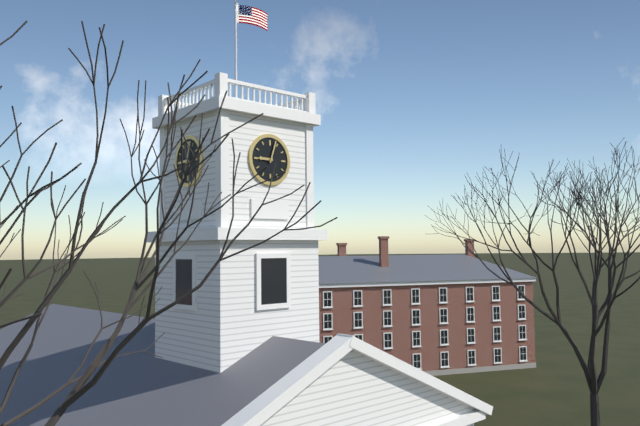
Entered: {"hour": 9, "minute": 3}
